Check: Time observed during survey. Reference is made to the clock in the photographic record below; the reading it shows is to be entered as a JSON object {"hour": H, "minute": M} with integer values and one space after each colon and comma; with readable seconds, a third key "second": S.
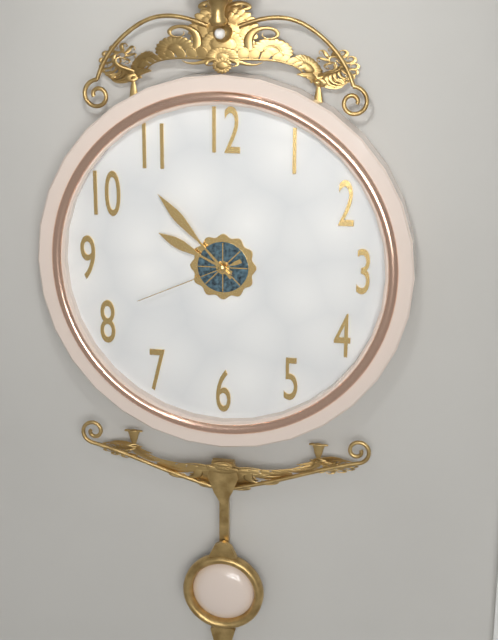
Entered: {"hour": 9, "minute": 53, "second": 41}
